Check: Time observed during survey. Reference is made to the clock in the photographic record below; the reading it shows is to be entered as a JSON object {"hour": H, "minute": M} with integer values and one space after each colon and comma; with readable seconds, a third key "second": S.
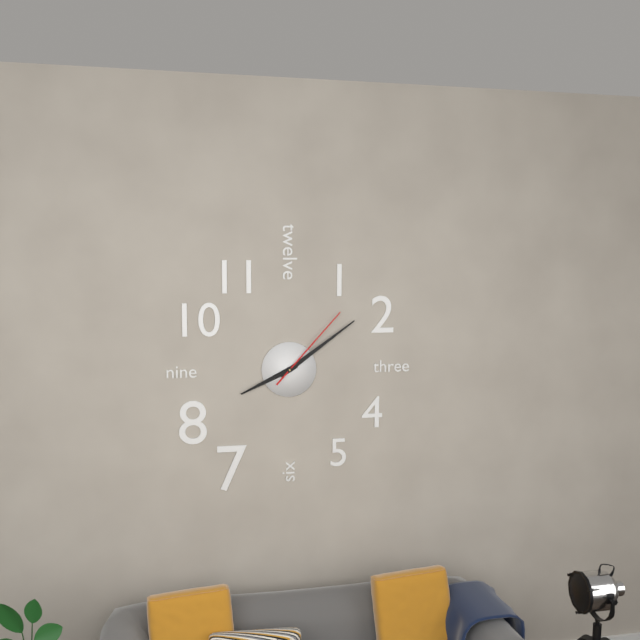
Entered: {"hour": 8, "minute": 9, "second": 7}
